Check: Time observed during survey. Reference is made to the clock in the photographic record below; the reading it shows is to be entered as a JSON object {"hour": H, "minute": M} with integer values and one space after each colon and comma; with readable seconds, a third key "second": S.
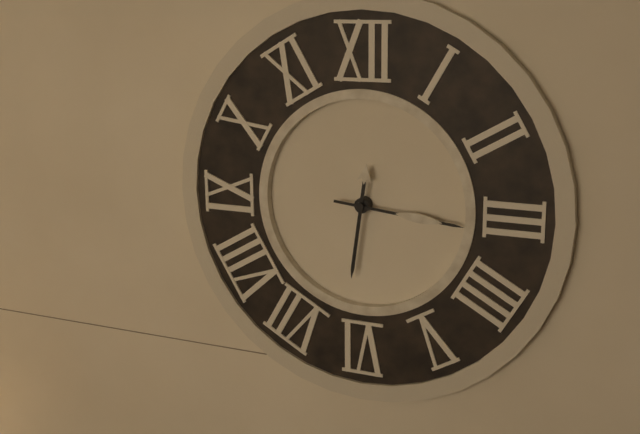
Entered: {"hour": 6, "minute": 16}
